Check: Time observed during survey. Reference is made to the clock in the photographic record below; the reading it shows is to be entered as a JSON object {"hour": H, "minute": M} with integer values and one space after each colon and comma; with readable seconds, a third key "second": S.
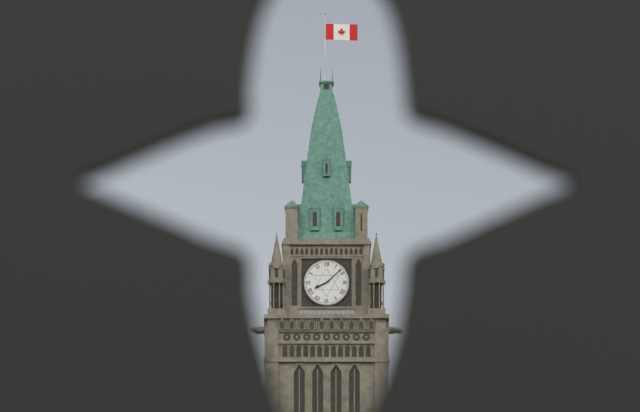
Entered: {"hour": 8, "minute": 8}
